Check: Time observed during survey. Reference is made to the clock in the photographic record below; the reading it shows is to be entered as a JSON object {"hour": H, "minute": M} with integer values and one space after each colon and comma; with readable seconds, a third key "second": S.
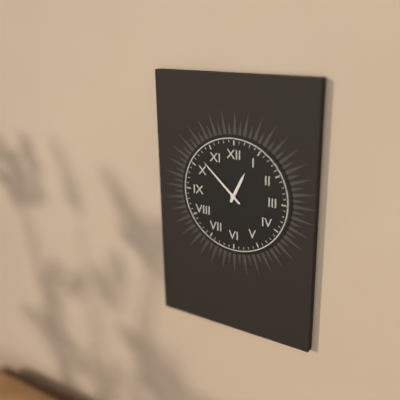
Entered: {"hour": 12, "minute": 52}
